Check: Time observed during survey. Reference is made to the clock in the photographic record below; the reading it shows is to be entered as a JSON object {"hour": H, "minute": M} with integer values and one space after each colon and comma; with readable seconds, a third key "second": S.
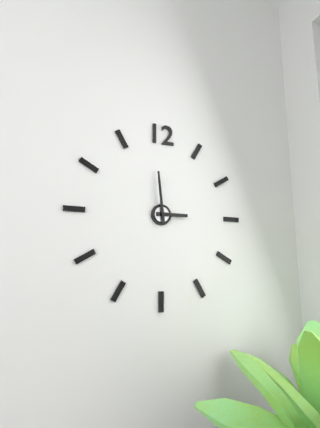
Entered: {"hour": 2, "minute": 59}
